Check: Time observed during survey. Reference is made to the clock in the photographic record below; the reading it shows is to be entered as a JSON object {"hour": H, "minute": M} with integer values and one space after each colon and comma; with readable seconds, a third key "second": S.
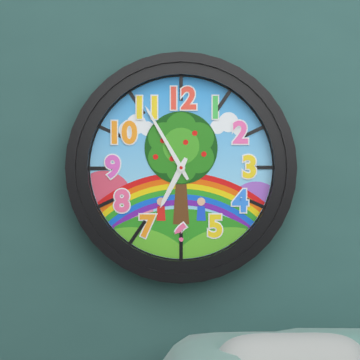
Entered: {"hour": 6, "minute": 55}
